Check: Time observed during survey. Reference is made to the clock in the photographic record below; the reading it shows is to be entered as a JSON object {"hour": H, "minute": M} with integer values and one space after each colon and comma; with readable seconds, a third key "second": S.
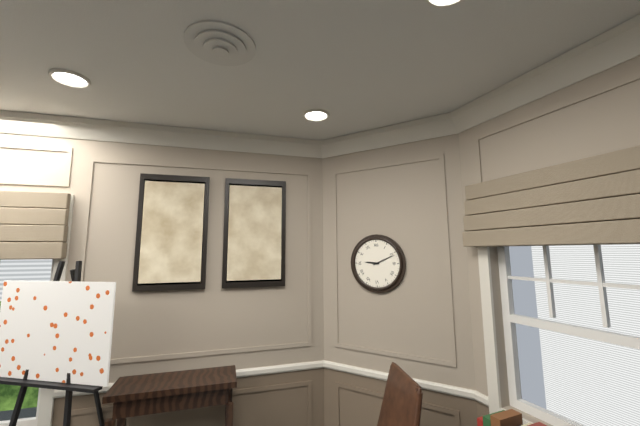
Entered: {"hour": 9, "minute": 11}
